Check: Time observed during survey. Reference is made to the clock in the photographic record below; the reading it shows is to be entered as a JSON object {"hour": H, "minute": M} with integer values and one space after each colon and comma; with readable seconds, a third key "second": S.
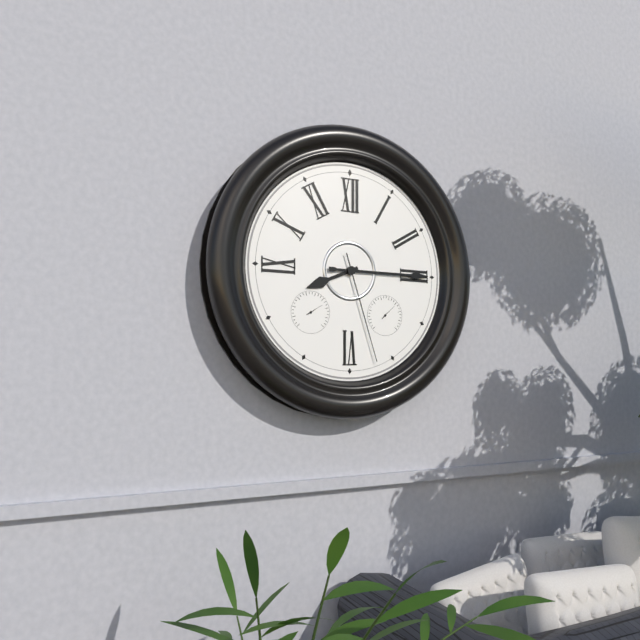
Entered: {"hour": 8, "minute": 15, "second": 27}
